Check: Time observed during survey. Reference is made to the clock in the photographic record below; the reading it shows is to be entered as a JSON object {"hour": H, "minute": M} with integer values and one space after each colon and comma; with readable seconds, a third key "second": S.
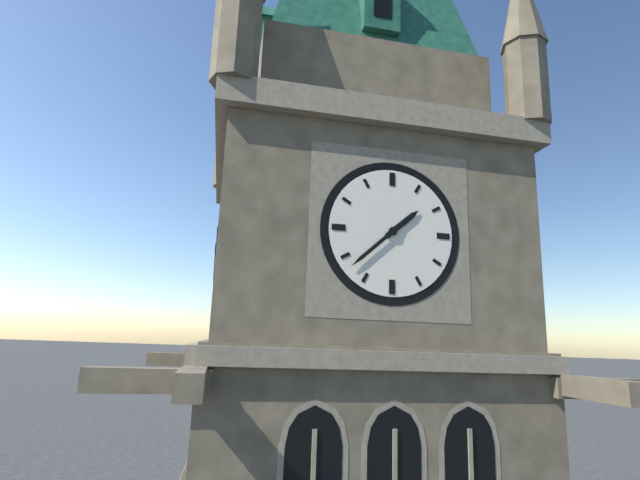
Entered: {"hour": 1, "minute": 38}
